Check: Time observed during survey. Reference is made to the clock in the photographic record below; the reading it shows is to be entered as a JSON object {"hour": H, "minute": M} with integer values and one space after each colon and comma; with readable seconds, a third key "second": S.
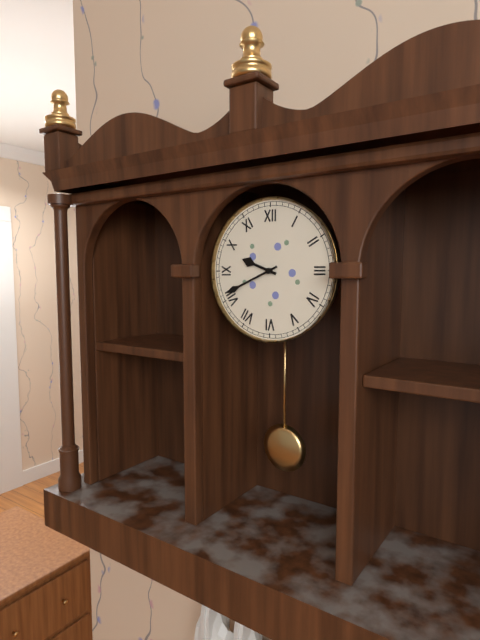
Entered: {"hour": 9, "minute": 41}
